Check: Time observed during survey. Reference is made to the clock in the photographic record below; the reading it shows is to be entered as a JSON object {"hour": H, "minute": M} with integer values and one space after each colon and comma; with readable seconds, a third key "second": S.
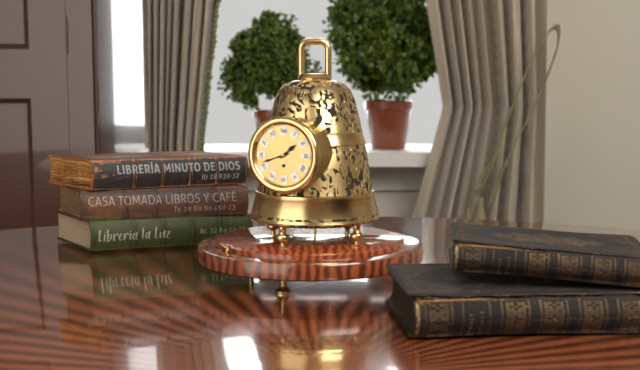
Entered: {"hour": 1, "minute": 42}
